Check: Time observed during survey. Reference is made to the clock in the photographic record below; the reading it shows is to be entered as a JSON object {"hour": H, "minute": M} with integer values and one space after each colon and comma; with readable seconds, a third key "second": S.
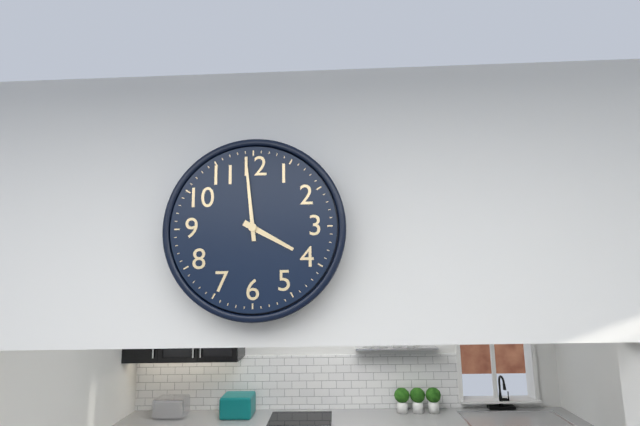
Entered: {"hour": 3, "minute": 59}
